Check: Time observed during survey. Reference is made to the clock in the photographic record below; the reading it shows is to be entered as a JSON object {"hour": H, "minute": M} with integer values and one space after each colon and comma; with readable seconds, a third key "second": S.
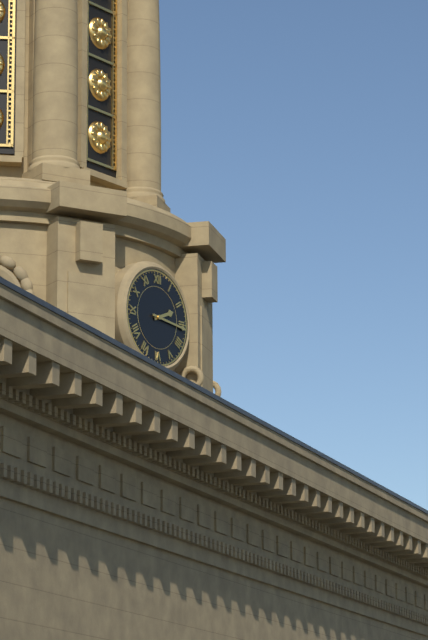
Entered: {"hour": 2, "minute": 16}
